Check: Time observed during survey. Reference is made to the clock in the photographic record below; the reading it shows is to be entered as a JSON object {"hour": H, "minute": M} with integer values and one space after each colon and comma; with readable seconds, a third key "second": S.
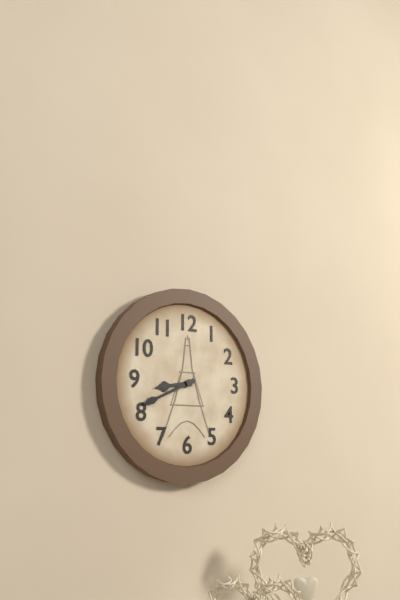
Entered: {"hour": 8, "minute": 41}
